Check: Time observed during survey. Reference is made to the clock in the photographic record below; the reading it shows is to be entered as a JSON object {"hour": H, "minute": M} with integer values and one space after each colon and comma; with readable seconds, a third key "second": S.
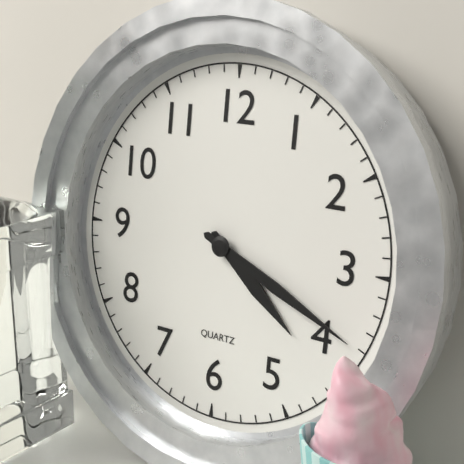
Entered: {"hour": 4, "minute": 19}
